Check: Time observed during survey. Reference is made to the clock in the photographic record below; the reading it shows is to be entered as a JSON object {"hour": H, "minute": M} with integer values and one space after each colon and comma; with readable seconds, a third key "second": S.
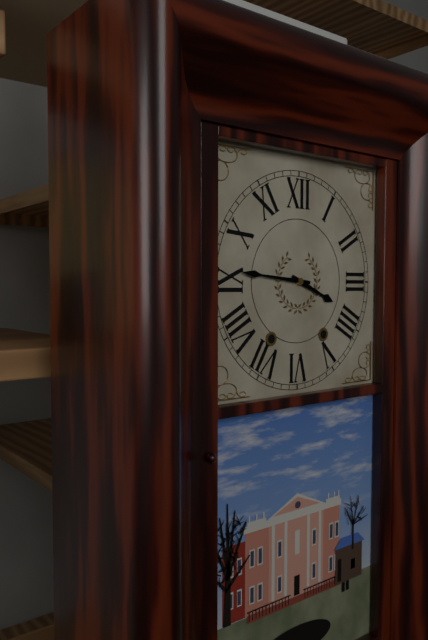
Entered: {"hour": 3, "minute": 46}
